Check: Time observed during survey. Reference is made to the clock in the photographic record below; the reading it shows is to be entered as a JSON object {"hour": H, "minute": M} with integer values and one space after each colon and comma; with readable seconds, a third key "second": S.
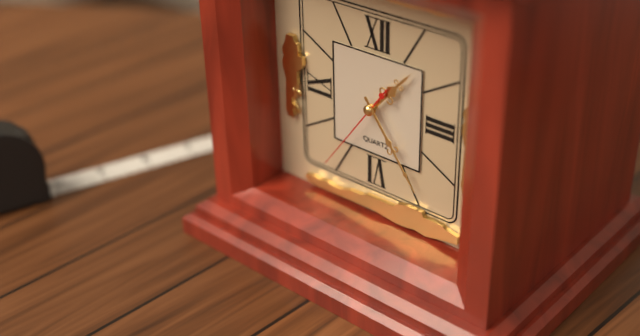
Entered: {"hour": 1, "minute": 24, "second": 36}
